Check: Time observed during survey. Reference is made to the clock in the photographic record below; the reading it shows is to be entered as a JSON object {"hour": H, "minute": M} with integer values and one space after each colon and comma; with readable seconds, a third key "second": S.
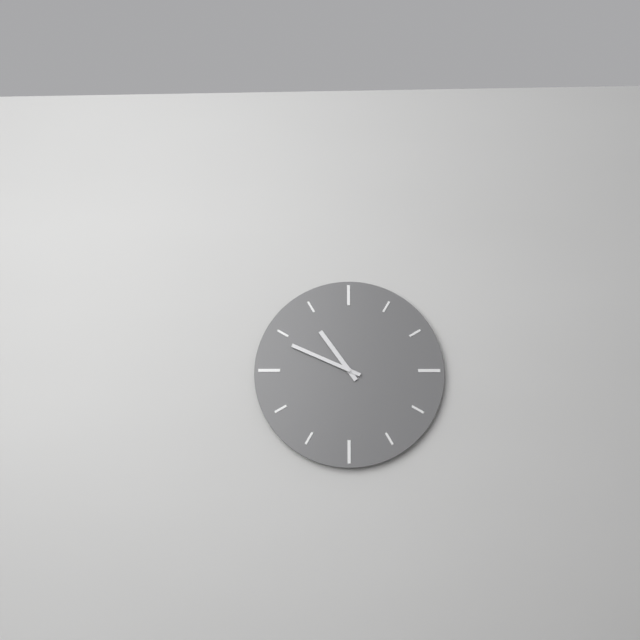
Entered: {"hour": 10, "minute": 49}
